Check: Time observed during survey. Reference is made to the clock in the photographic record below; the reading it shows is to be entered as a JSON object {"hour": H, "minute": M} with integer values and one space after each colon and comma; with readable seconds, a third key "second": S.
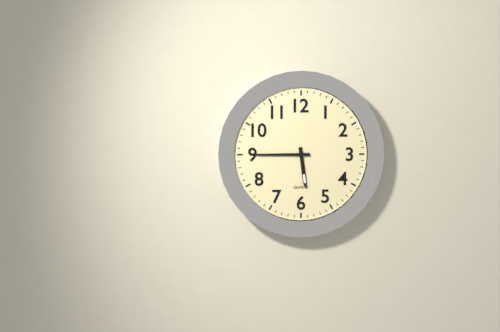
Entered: {"hour": 5, "minute": 45}
